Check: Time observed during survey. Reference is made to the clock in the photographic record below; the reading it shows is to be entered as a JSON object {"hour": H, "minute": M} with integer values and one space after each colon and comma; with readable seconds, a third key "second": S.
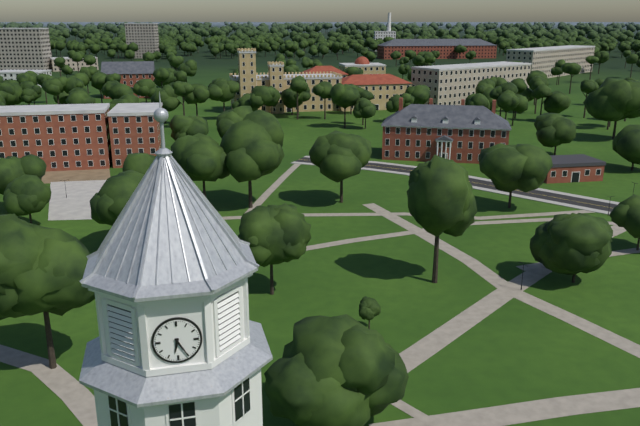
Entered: {"hour": 6, "minute": 25}
